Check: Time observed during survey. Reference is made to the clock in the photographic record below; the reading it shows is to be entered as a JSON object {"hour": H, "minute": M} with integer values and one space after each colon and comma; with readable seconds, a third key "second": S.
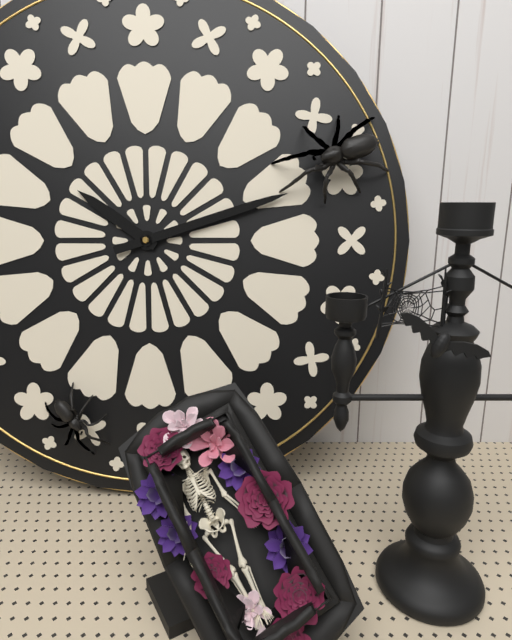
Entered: {"hour": 10, "minute": 12}
